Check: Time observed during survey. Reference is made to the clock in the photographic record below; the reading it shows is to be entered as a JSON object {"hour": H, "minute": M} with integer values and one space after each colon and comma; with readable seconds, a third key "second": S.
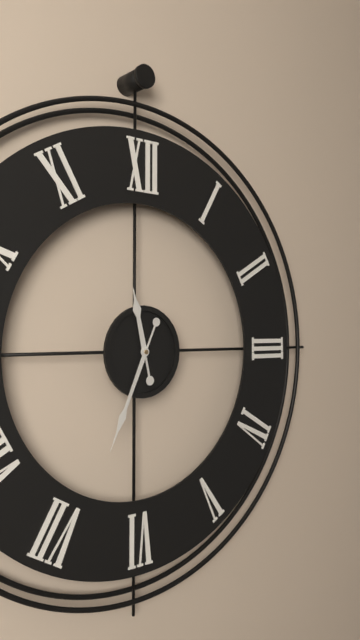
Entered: {"hour": 11, "minute": 34}
